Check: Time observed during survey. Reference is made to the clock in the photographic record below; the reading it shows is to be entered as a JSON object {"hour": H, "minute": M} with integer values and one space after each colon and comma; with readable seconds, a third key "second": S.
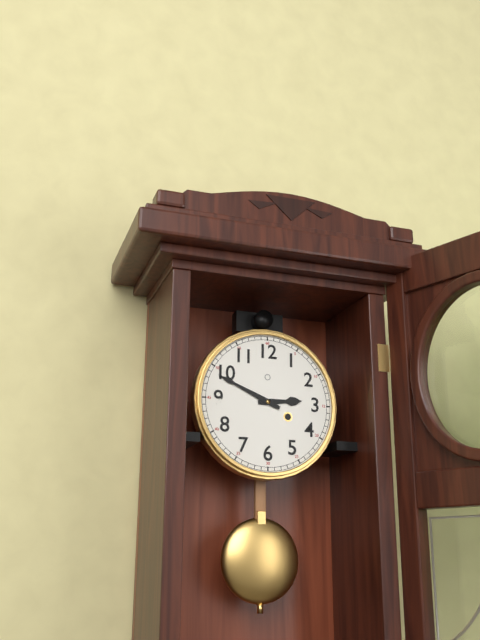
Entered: {"hour": 2, "minute": 49}
